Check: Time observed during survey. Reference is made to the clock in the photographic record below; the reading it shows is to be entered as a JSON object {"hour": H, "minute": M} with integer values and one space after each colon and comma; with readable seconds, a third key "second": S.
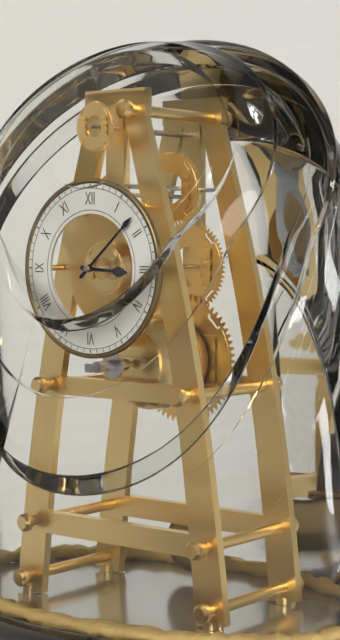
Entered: {"hour": 3, "minute": 8}
